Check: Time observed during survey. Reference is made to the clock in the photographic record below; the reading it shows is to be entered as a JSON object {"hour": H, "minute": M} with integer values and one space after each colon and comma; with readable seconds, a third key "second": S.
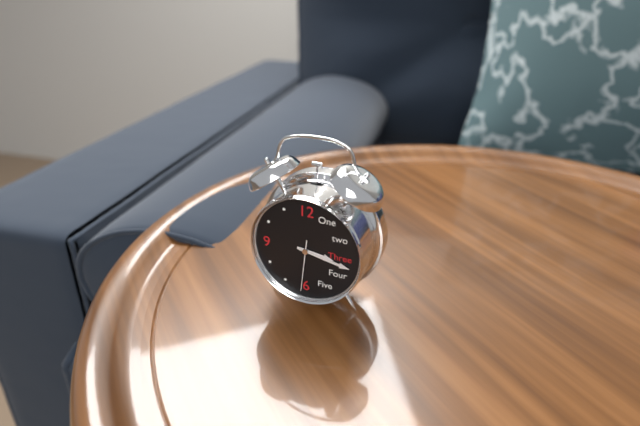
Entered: {"hour": 3, "minute": 17, "second": 31}
